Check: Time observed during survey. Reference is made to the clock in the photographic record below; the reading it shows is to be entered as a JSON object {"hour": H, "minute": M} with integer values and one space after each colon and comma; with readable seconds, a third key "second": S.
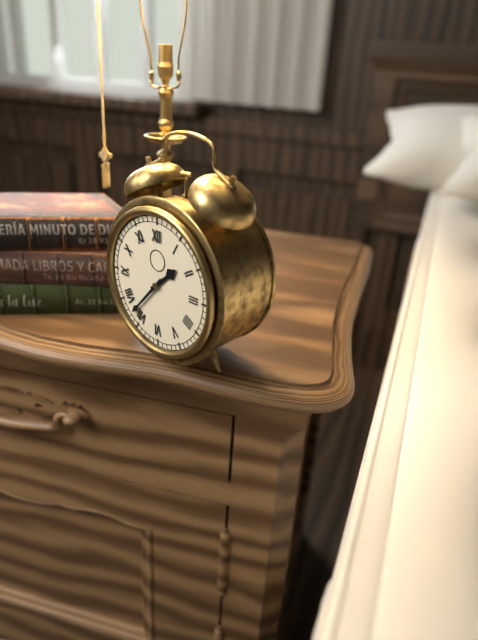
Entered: {"hour": 1, "minute": 37}
